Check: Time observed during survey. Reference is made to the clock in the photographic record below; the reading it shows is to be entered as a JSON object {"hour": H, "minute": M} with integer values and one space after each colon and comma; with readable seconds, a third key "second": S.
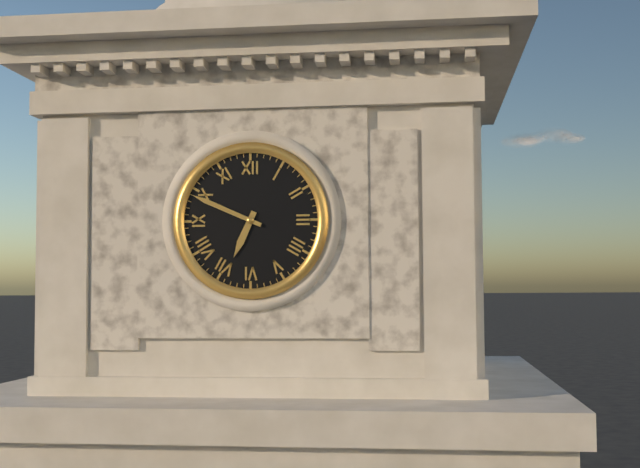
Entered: {"hour": 6, "minute": 49}
